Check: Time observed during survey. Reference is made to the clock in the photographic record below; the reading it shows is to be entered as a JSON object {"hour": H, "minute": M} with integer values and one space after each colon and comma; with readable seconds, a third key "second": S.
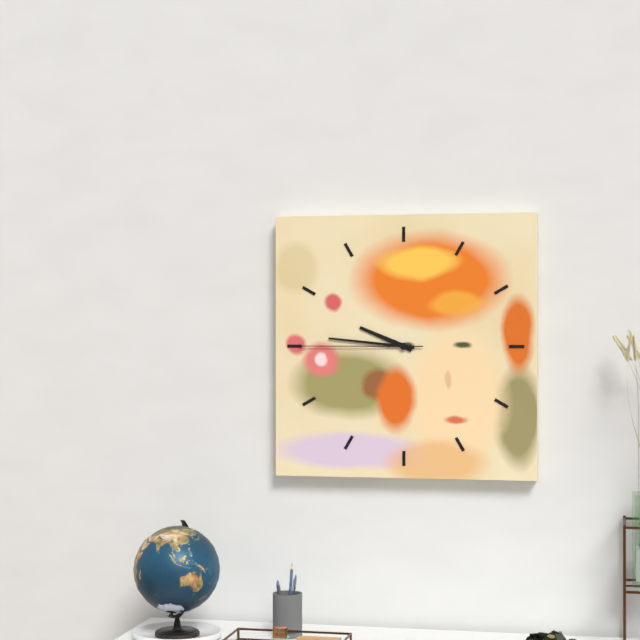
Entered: {"hour": 9, "minute": 46, "second": 45}
